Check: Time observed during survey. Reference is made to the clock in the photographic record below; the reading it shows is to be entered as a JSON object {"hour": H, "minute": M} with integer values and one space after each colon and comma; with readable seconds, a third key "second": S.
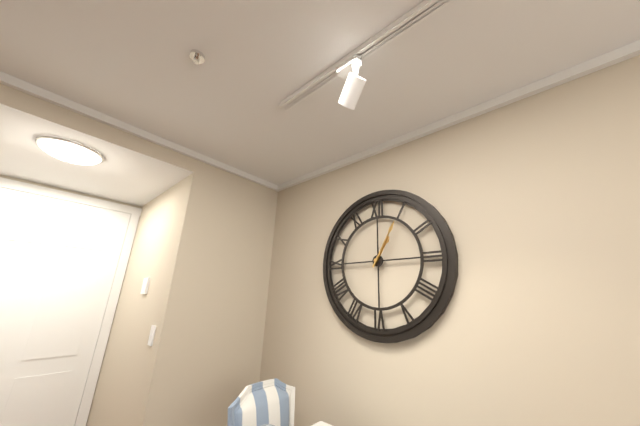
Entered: {"hour": 1, "minute": 5}
